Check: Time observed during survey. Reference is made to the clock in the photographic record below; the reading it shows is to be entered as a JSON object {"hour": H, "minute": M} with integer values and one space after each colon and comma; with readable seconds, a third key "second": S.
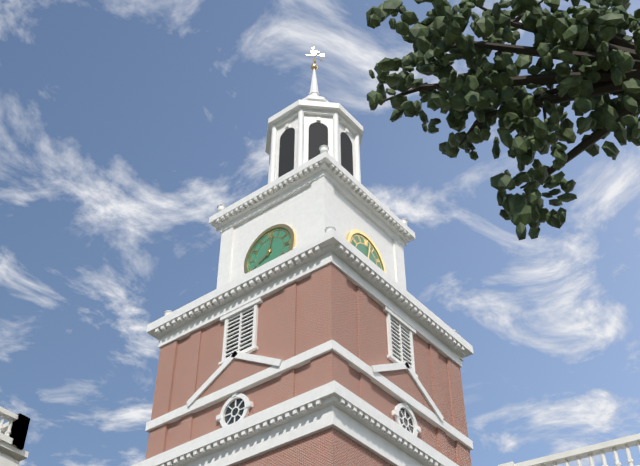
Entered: {"hour": 8, "minute": 2}
